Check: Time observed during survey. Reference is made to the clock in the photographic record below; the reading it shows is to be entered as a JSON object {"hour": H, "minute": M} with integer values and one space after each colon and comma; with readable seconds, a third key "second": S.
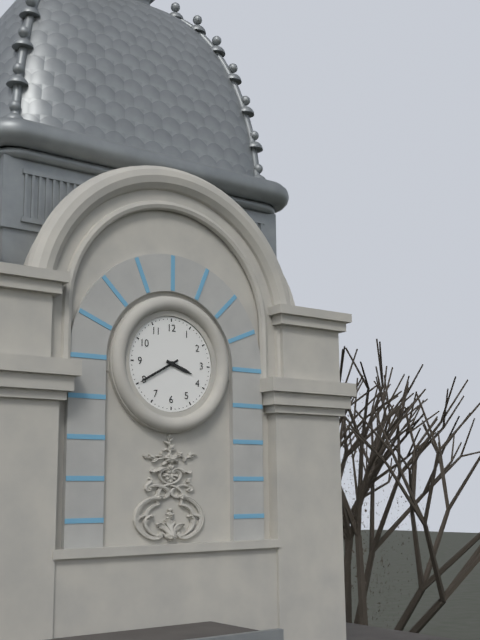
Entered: {"hour": 3, "minute": 40}
